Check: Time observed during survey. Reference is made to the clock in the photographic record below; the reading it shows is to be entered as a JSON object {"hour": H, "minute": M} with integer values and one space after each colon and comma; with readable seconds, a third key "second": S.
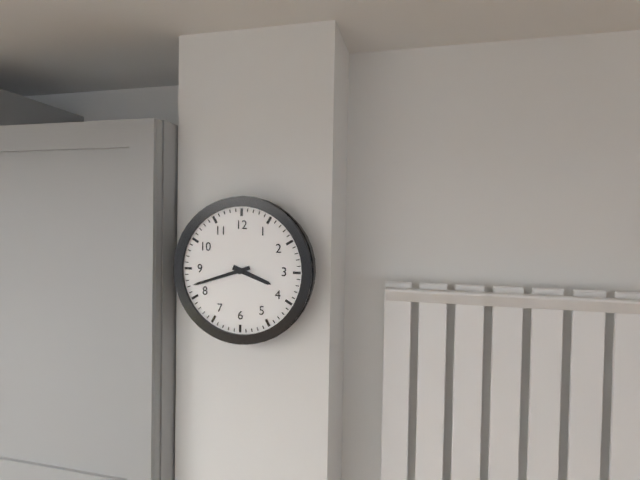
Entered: {"hour": 3, "minute": 42}
